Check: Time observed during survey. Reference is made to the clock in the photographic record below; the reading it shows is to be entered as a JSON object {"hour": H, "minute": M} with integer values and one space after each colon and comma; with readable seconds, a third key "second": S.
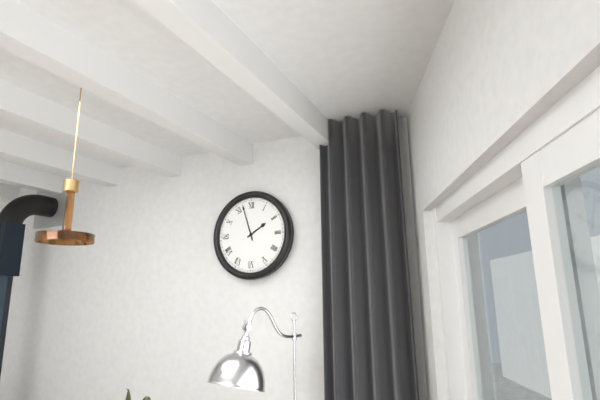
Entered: {"hour": 1, "minute": 57}
